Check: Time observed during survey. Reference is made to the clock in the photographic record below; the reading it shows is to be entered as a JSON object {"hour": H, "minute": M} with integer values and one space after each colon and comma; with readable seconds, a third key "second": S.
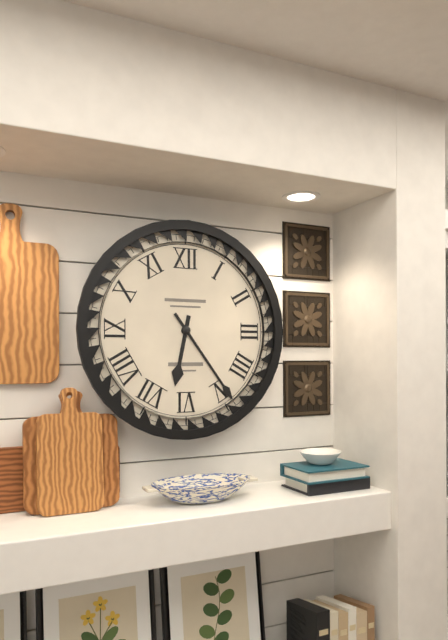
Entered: {"hour": 6, "minute": 24}
